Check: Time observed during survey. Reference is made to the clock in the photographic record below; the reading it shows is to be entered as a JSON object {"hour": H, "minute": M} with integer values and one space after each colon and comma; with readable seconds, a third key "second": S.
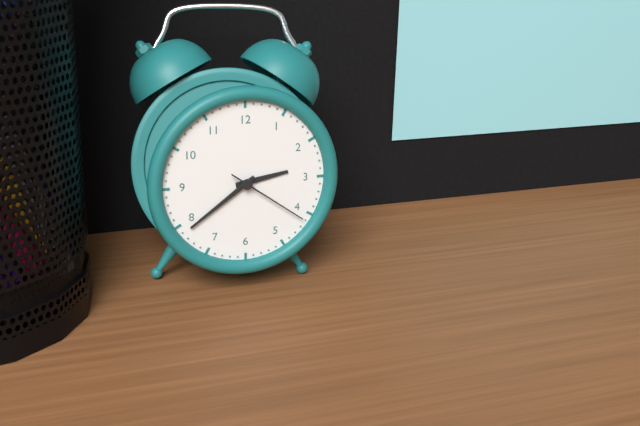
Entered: {"hour": 2, "minute": 39, "second": 21}
